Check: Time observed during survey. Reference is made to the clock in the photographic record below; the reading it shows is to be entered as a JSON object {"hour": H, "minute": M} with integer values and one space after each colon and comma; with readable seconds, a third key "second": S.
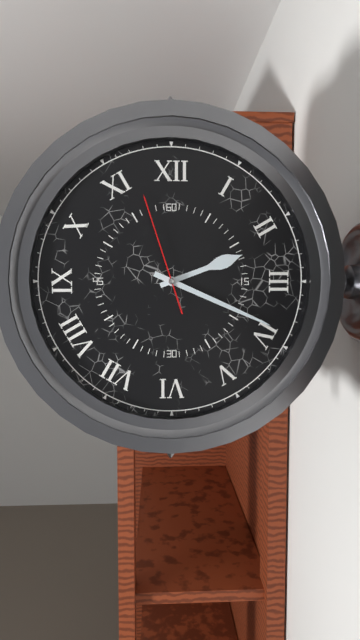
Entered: {"hour": 2, "minute": 19, "second": 57}
